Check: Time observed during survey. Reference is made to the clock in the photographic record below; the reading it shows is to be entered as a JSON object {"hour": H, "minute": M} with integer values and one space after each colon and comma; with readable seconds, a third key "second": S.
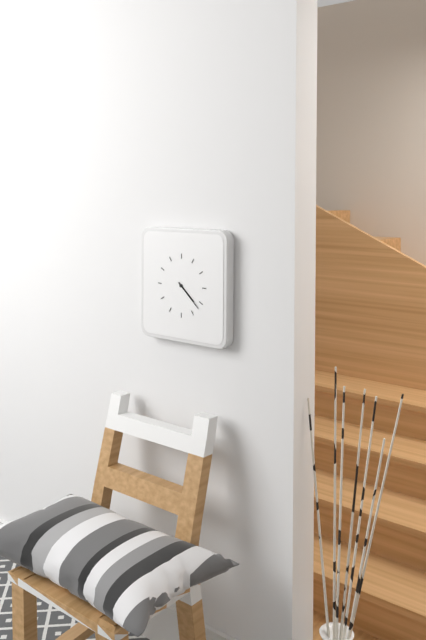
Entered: {"hour": 4, "minute": 22}
